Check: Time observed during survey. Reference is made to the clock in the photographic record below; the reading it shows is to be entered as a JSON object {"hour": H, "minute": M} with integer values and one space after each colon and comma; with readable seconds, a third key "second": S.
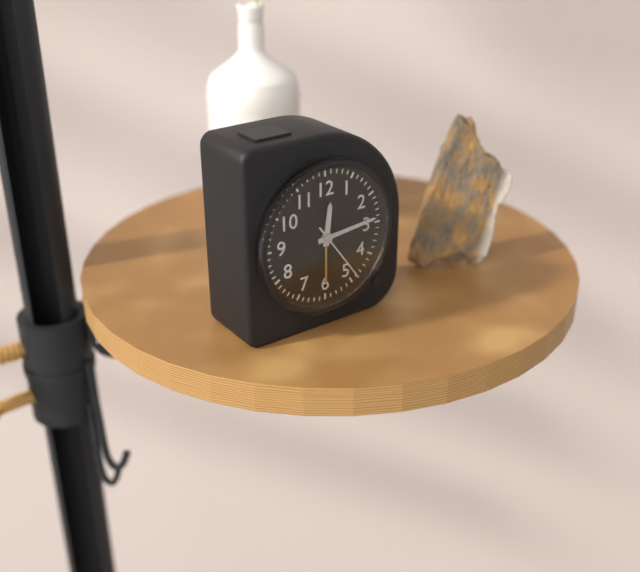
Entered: {"hour": 12, "minute": 14, "second": 24}
